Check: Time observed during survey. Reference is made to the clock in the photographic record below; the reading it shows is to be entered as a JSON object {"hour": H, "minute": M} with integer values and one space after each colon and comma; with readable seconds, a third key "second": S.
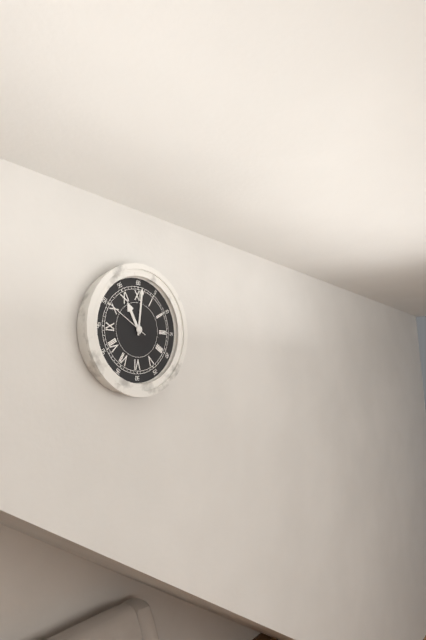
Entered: {"hour": 11, "minute": 1, "second": 50}
